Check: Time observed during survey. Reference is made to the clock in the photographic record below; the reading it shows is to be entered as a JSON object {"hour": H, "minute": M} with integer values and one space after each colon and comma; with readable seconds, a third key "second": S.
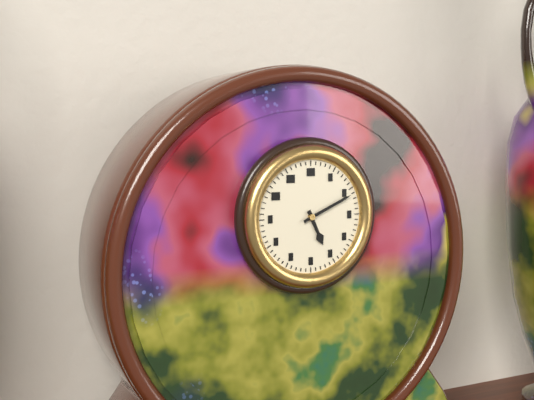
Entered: {"hour": 5, "minute": 11}
